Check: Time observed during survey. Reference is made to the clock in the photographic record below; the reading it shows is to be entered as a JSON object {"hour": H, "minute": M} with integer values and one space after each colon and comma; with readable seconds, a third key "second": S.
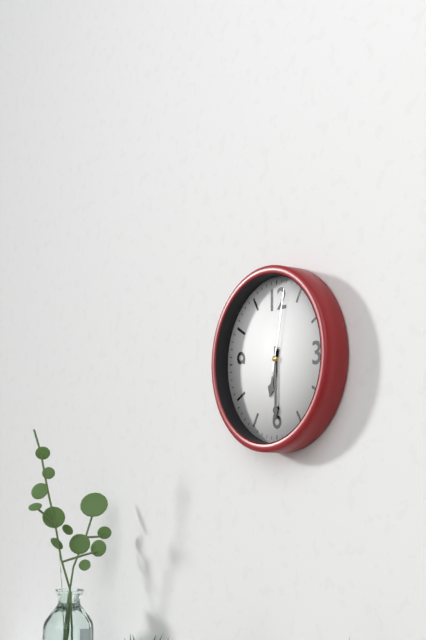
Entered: {"hour": 6, "minute": 30, "second": 2}
